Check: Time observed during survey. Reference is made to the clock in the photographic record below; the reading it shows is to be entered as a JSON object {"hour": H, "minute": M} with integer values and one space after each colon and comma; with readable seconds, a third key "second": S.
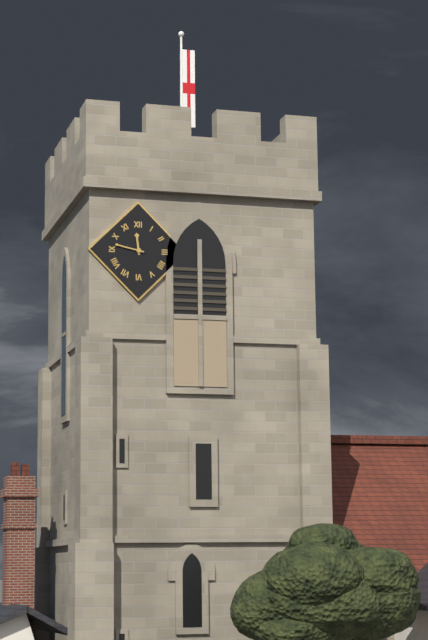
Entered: {"hour": 11, "minute": 47}
